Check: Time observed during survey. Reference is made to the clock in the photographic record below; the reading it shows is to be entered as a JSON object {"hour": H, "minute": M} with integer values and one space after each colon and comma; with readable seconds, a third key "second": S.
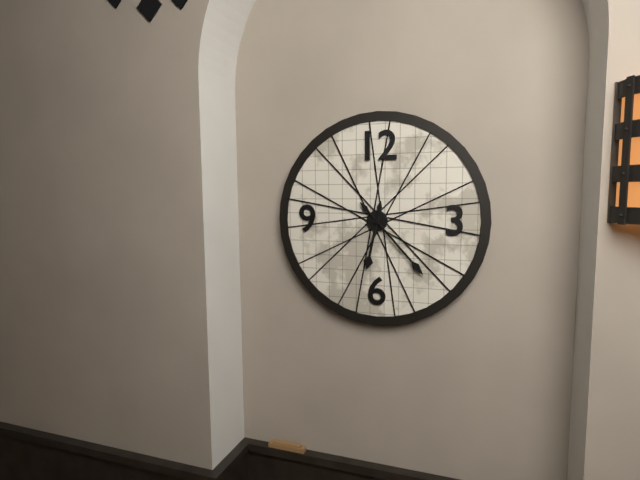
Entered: {"hour": 6, "minute": 23}
